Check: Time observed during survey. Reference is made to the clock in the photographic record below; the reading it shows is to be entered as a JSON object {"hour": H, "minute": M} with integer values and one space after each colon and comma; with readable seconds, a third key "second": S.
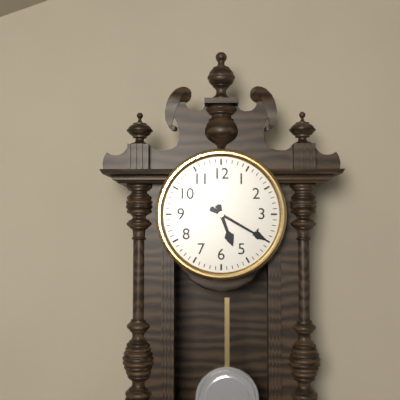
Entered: {"hour": 5, "minute": 20}
